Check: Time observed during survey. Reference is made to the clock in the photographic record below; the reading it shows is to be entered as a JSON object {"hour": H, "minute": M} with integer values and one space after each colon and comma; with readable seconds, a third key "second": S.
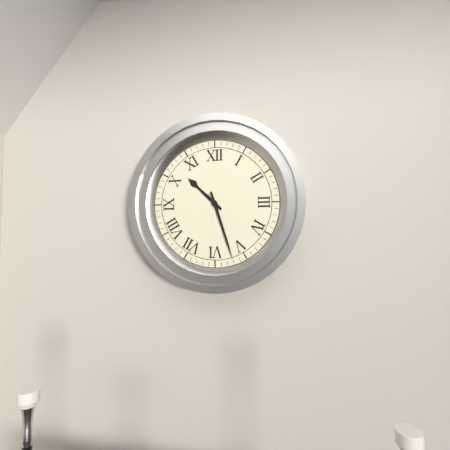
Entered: {"hour": 10, "minute": 27}
